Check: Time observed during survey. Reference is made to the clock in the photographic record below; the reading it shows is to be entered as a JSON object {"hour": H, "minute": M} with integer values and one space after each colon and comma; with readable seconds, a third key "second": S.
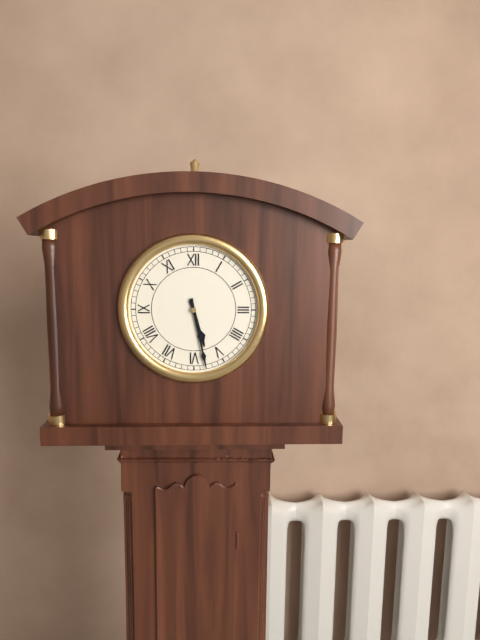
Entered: {"hour": 5, "minute": 28}
